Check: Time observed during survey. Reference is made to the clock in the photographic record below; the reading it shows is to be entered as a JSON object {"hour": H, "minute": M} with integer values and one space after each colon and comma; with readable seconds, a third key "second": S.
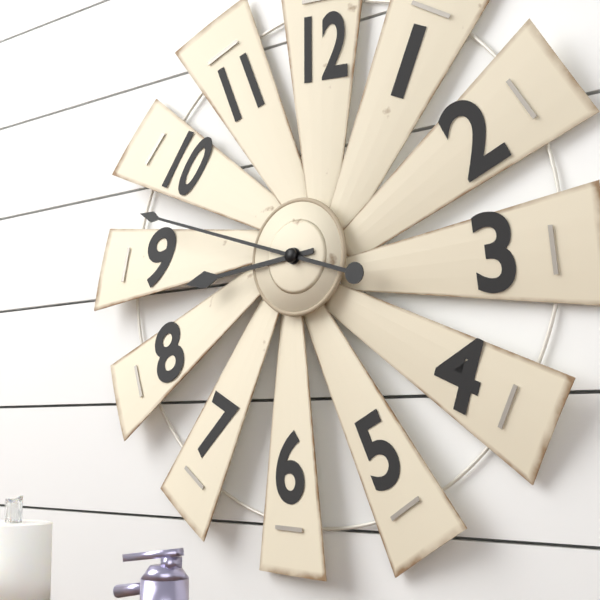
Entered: {"hour": 8, "minute": 48}
